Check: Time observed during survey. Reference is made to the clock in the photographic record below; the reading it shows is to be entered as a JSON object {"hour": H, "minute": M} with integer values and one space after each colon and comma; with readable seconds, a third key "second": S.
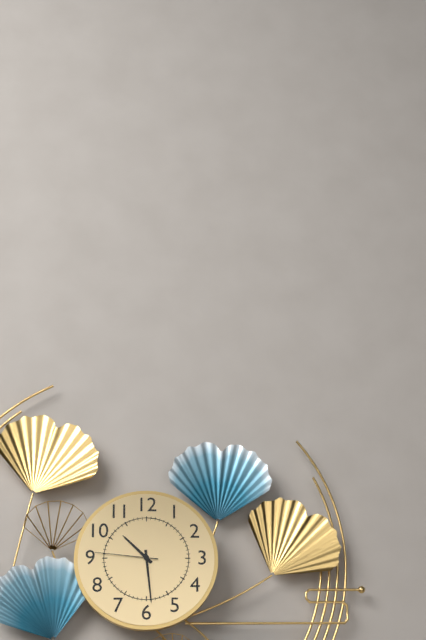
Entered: {"hour": 10, "minute": 29, "second": 46}
